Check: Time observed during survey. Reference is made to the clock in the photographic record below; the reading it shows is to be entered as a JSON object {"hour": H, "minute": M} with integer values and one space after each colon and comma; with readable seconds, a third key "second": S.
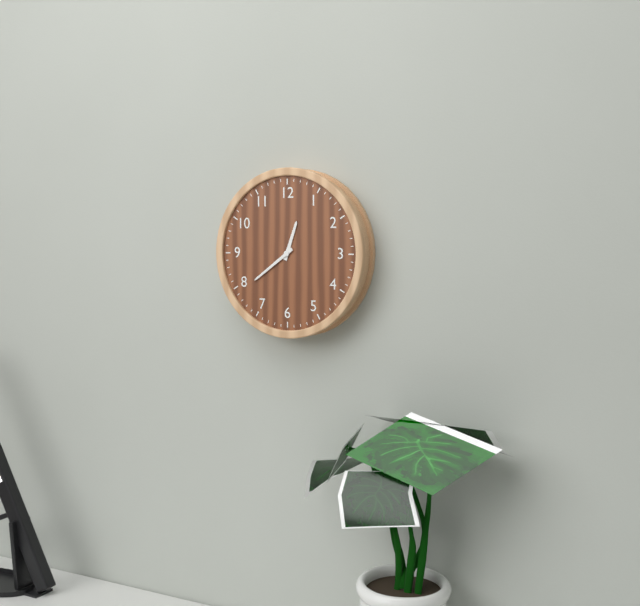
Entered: {"hour": 12, "minute": 39}
